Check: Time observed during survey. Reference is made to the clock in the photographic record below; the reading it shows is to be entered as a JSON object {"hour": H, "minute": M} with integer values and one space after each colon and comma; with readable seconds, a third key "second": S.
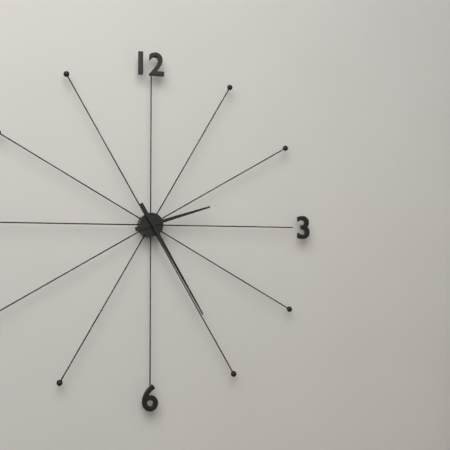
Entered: {"hour": 2, "minute": 25}
